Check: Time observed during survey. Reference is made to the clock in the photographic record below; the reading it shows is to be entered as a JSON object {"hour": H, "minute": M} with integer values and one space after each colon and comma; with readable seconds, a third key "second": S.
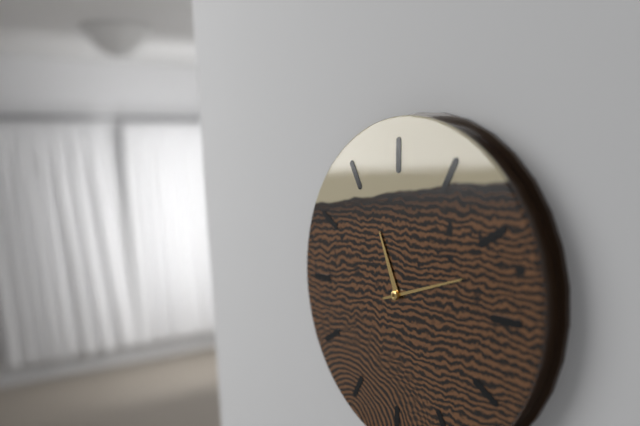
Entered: {"hour": 11, "minute": 12}
